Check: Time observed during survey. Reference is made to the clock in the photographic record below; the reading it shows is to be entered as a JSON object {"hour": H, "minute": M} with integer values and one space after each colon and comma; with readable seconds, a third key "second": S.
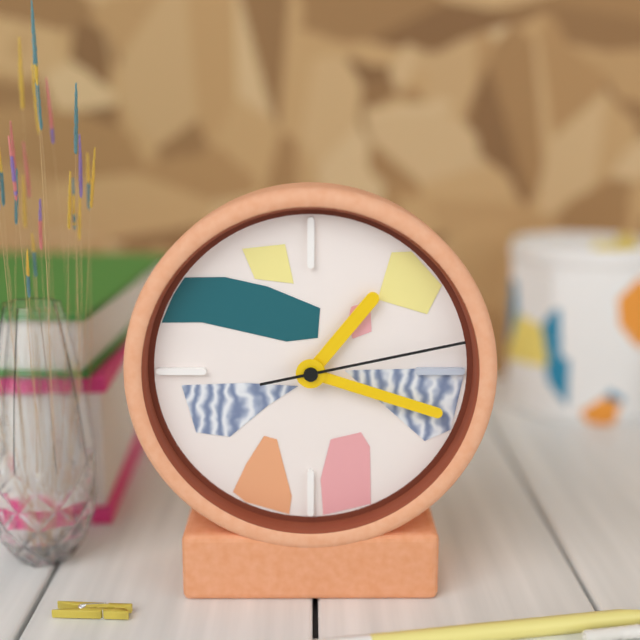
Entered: {"hour": 1, "minute": 18, "second": 13}
